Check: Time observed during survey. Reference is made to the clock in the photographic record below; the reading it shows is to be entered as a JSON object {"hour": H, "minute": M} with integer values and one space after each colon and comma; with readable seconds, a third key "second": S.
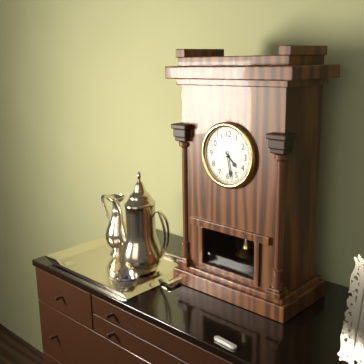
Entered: {"hour": 4, "minute": 28}
